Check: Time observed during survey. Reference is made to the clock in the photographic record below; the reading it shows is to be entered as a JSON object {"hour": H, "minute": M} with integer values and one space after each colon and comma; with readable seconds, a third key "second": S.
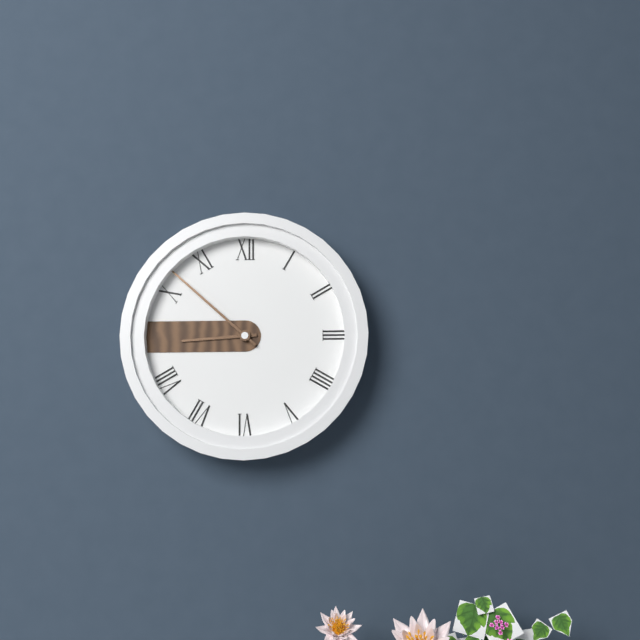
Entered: {"hour": 8, "minute": 52}
